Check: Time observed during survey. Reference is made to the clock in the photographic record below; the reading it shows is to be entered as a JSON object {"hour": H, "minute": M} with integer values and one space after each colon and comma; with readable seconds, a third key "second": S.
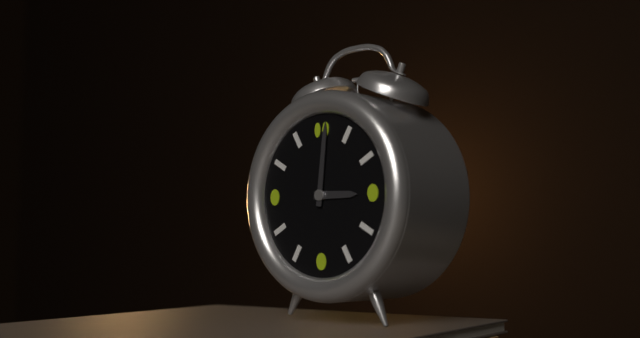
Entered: {"hour": 3, "minute": 1}
